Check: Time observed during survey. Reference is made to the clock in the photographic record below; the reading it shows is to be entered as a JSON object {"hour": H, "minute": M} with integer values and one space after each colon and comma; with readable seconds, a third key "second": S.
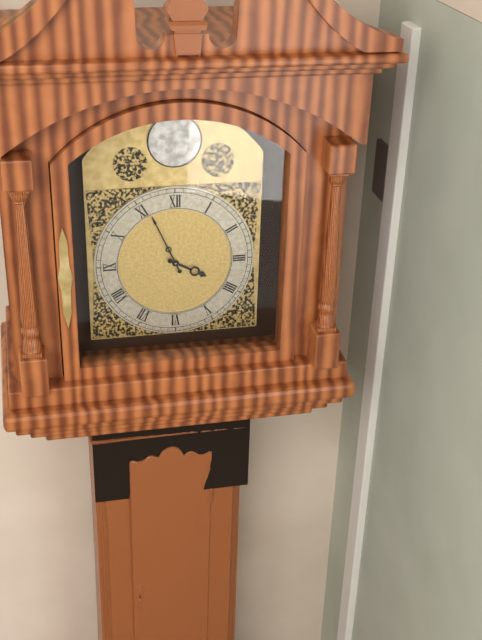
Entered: {"hour": 3, "minute": 56}
